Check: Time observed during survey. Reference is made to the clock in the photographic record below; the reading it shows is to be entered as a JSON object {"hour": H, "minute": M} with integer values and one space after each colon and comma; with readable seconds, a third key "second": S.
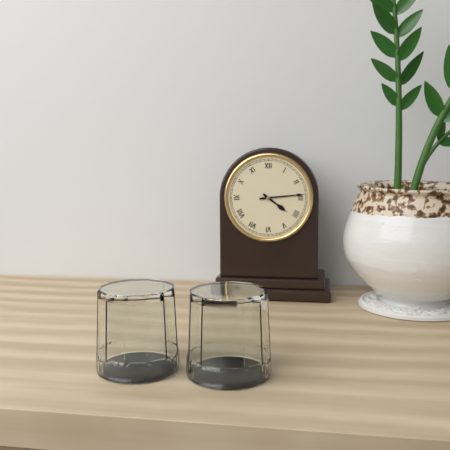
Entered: {"hour": 4, "minute": 14}
